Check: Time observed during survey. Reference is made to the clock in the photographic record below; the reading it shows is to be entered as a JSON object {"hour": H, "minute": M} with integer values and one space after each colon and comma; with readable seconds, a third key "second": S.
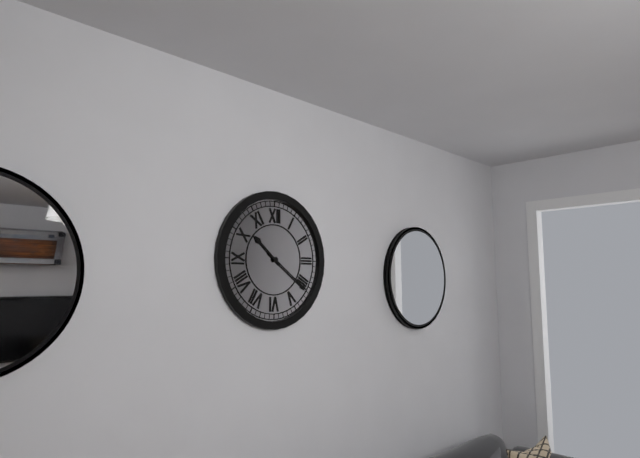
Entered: {"hour": 10, "minute": 21}
